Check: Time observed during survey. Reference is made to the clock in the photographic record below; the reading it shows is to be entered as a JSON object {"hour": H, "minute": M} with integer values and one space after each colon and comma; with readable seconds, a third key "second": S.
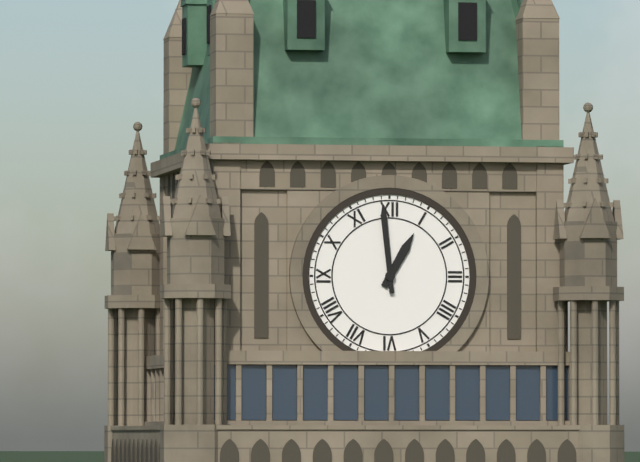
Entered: {"hour": 12, "minute": 59}
